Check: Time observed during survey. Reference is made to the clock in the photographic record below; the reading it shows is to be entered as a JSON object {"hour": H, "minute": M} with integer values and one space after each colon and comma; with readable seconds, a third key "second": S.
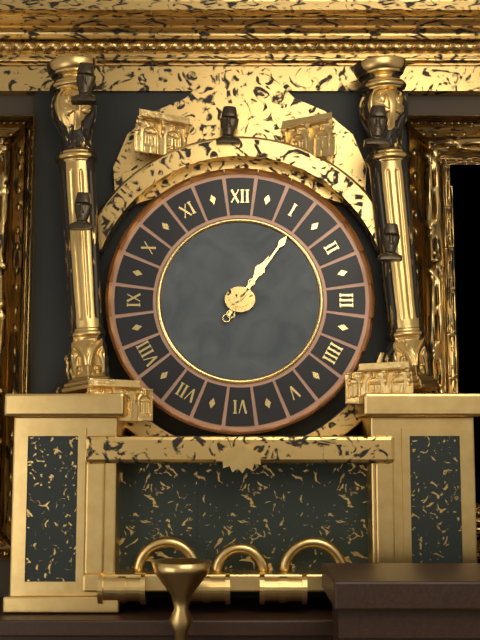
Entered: {"hour": 1, "minute": 6}
